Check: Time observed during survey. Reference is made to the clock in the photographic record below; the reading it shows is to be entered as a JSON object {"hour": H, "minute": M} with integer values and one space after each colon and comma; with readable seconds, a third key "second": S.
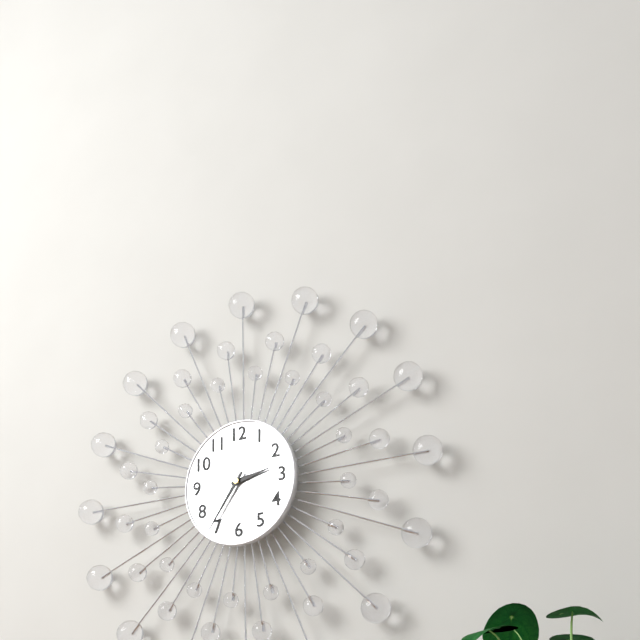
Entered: {"hour": 2, "minute": 36}
